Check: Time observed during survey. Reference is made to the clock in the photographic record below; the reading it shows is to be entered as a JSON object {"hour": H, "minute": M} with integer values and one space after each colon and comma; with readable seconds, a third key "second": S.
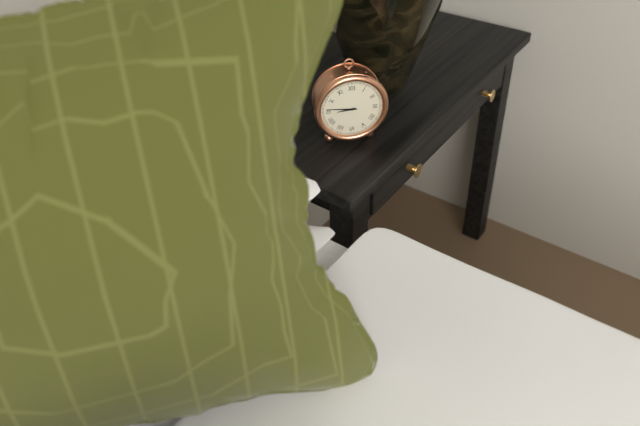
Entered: {"hour": 8, "minute": 46}
